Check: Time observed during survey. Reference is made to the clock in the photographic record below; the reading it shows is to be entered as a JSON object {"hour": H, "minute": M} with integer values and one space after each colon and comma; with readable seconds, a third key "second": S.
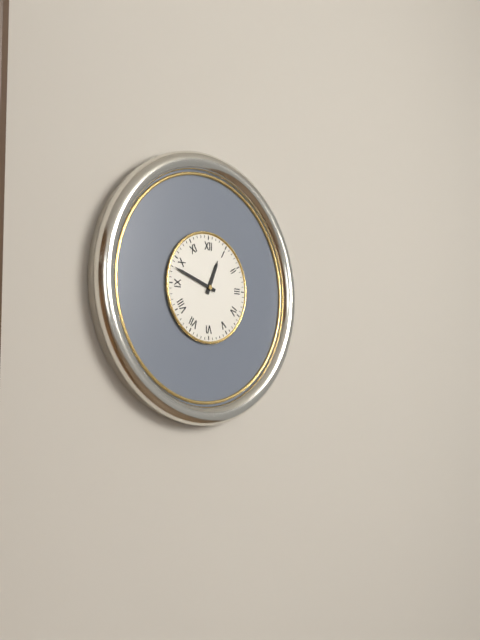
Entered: {"hour": 12, "minute": 48}
